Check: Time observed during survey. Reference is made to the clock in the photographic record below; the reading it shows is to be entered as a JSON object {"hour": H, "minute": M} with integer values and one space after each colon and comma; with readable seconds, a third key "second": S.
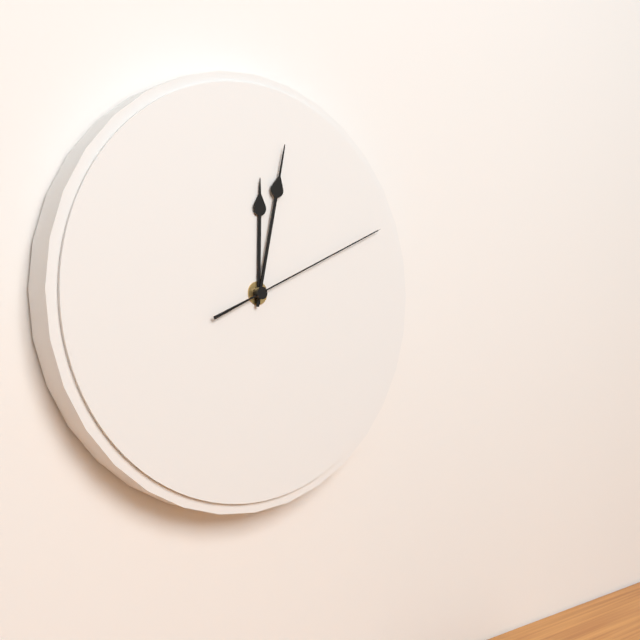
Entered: {"hour": 12, "minute": 2, "second": 11}
